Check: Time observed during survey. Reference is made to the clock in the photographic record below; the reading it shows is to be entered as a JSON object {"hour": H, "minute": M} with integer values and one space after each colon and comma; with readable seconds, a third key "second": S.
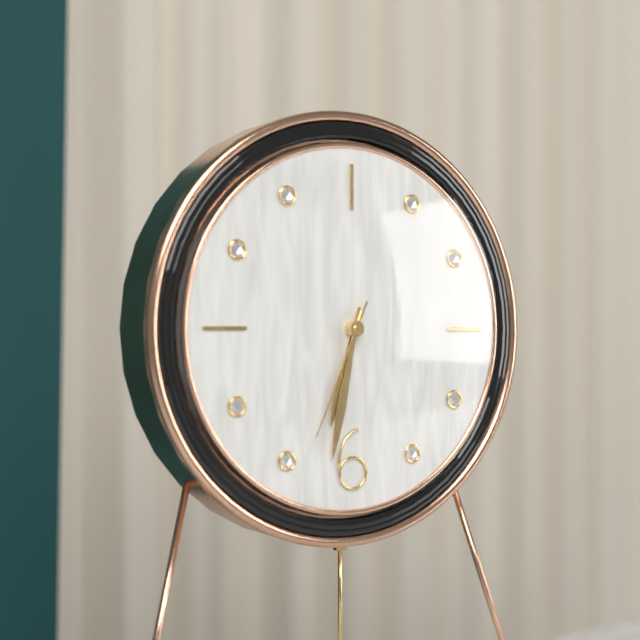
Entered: {"hour": 6, "minute": 32, "second": 34}
